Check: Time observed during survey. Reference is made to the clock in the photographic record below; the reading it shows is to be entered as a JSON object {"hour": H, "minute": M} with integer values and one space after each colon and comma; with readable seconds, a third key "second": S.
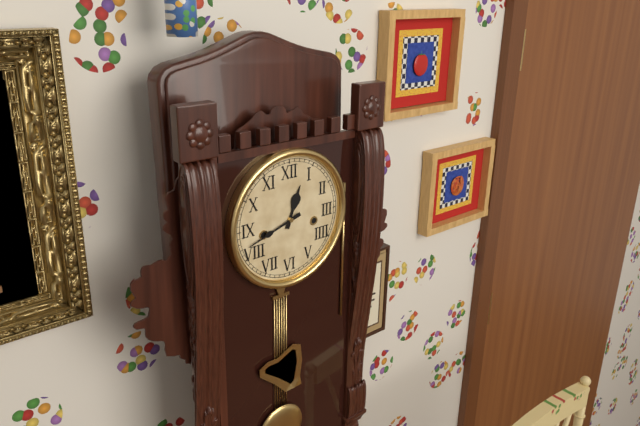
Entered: {"hour": 12, "minute": 42}
